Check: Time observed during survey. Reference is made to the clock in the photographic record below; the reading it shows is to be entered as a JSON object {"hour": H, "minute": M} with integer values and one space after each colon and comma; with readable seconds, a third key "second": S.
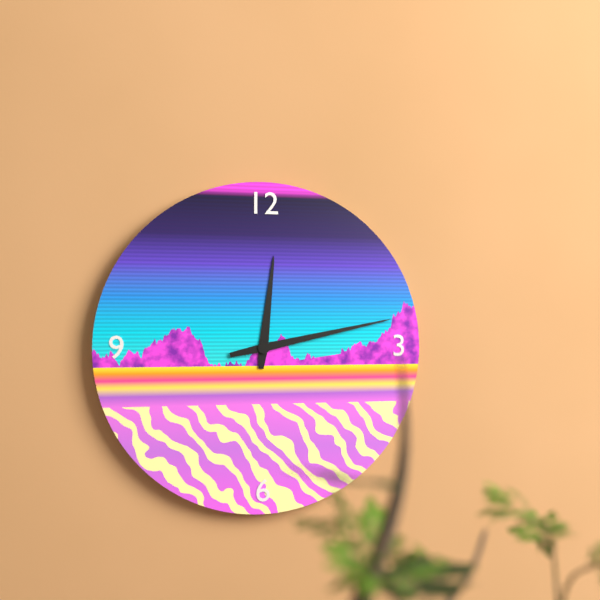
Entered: {"hour": 12, "minute": 13}
